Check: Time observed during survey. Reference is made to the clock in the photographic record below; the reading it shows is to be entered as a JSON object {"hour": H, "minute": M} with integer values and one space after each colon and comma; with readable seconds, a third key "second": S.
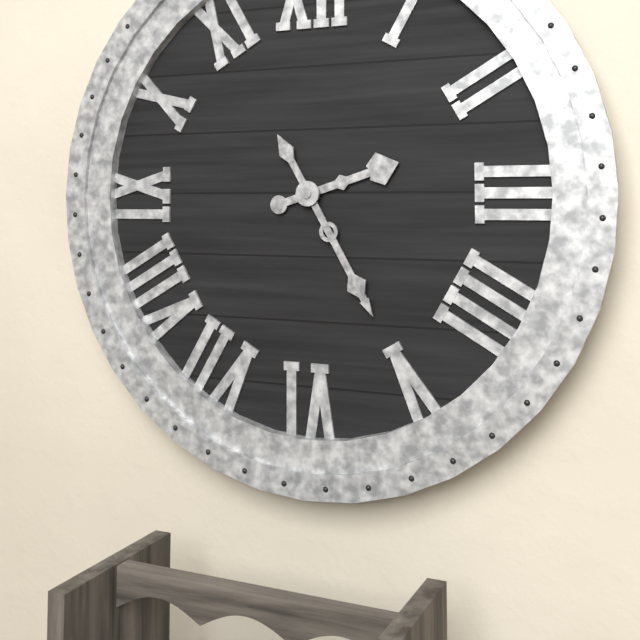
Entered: {"hour": 2, "minute": 25}
